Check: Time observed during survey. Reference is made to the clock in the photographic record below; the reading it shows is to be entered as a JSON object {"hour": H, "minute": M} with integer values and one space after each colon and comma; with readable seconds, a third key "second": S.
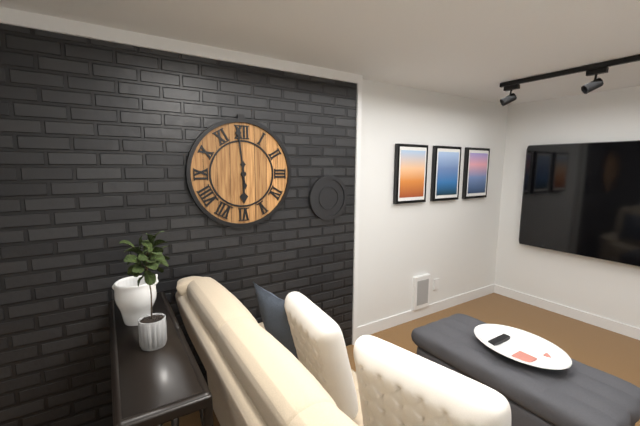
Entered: {"hour": 5, "minute": 59}
